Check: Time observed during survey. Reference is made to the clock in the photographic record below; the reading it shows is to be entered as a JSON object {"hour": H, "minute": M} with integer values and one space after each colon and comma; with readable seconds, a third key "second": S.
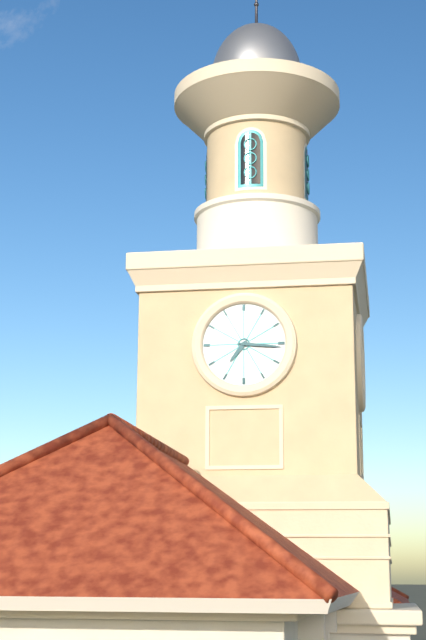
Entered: {"hour": 7, "minute": 16}
